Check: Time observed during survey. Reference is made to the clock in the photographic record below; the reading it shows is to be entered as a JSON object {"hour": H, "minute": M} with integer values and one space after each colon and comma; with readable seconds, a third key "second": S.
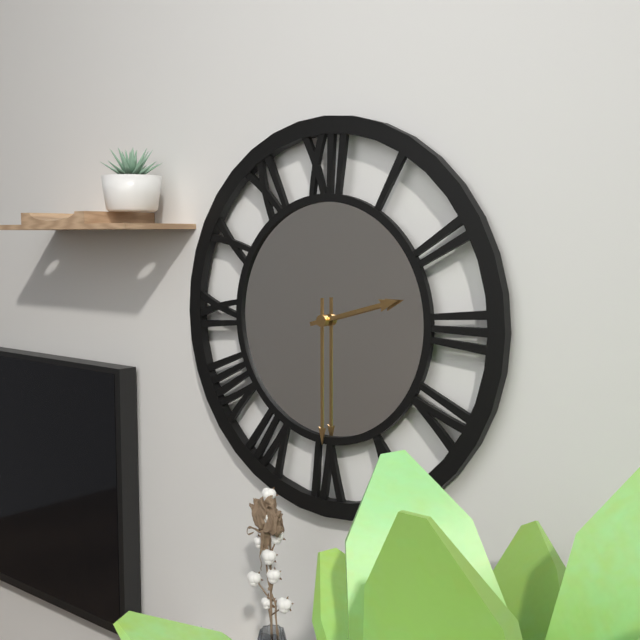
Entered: {"hour": 2, "minute": 30}
